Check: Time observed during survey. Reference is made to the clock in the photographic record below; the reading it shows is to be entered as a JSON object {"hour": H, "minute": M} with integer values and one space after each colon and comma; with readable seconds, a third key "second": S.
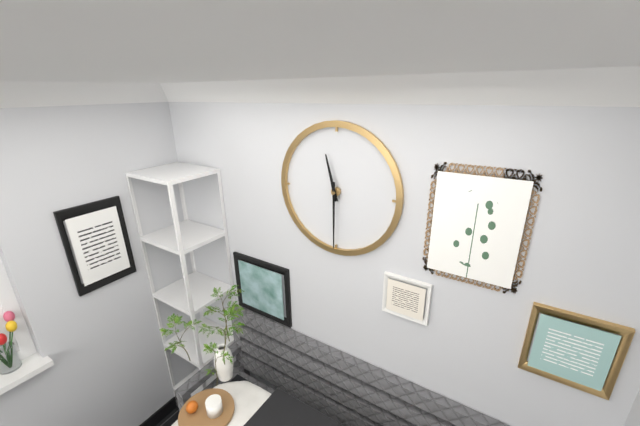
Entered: {"hour": 11, "minute": 30}
